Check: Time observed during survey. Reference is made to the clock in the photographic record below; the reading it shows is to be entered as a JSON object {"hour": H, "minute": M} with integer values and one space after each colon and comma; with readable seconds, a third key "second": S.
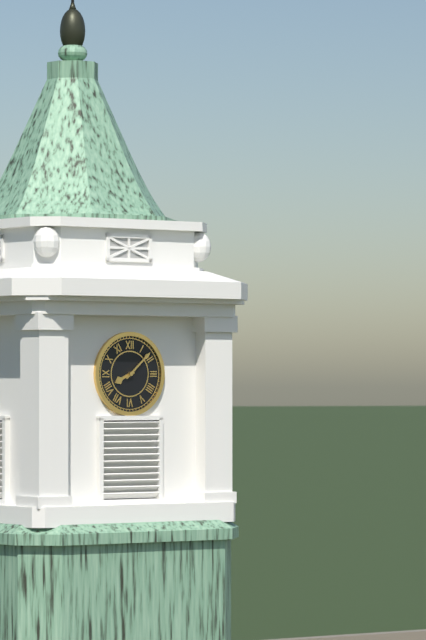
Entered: {"hour": 8, "minute": 8}
